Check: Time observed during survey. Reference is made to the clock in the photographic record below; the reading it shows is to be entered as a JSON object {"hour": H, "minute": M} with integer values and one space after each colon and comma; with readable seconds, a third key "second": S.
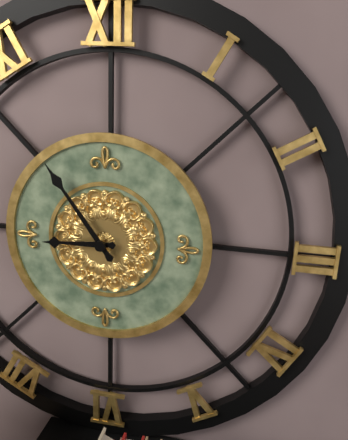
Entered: {"hour": 8, "minute": 54}
